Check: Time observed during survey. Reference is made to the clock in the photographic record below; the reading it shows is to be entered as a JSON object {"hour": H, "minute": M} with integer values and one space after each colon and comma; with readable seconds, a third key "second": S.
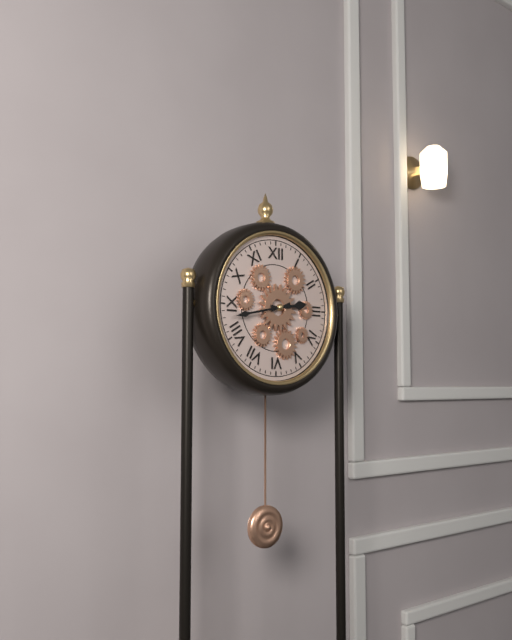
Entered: {"hour": 2, "minute": 43}
